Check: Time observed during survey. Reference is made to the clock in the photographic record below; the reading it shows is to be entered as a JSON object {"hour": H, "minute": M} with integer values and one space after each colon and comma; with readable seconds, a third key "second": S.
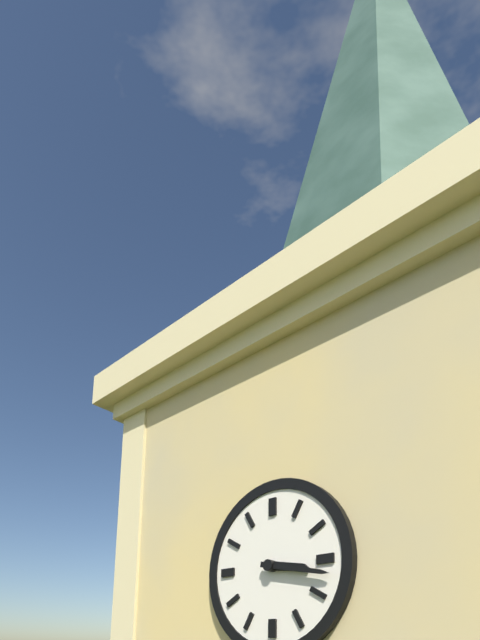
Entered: {"hour": 3, "minute": 17}
